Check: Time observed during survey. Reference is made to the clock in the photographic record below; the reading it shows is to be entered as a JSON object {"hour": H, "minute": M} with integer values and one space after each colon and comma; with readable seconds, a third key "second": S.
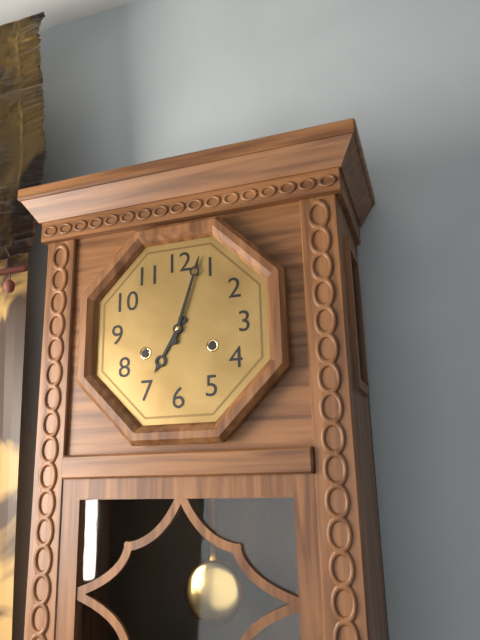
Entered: {"hour": 7, "minute": 3}
